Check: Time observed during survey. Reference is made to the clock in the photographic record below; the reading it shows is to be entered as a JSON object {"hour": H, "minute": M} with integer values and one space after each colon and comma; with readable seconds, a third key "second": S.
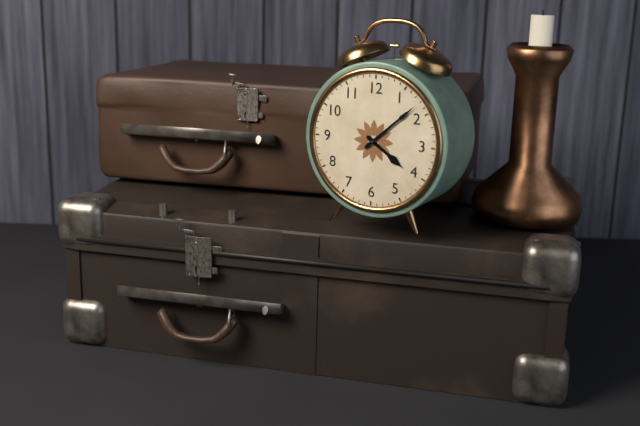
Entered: {"hour": 4, "minute": 8}
